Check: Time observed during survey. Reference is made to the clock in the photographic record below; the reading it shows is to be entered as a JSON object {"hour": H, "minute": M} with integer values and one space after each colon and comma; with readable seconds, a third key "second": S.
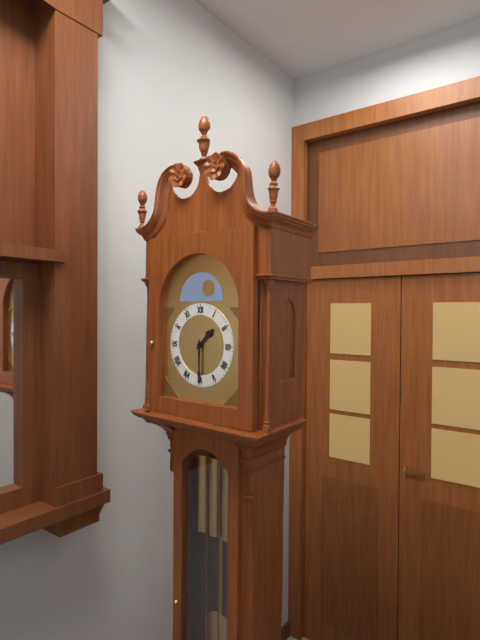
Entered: {"hour": 1, "minute": 30}
